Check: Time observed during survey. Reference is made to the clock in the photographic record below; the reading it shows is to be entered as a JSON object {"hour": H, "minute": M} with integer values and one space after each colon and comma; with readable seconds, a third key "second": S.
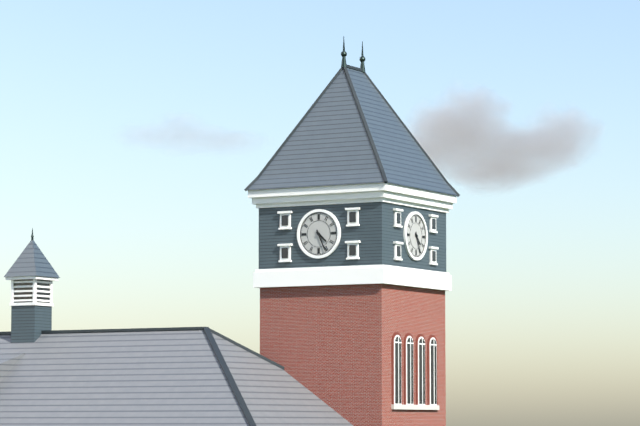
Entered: {"hour": 4, "minute": 26}
